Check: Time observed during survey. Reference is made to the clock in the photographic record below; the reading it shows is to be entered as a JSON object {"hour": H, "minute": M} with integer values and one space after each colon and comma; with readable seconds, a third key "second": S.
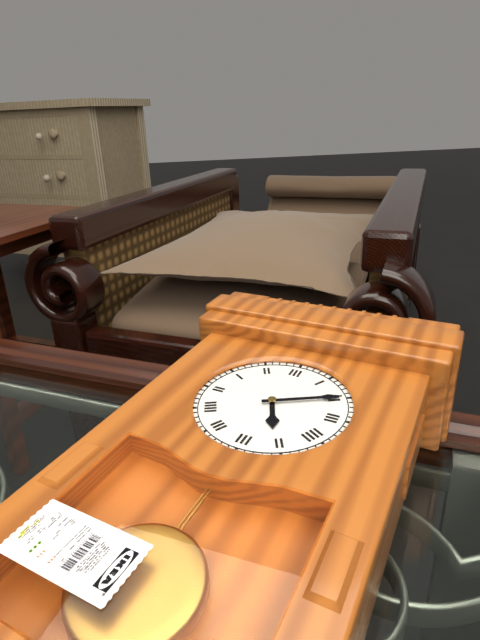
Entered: {"hour": 5, "minute": 10}
